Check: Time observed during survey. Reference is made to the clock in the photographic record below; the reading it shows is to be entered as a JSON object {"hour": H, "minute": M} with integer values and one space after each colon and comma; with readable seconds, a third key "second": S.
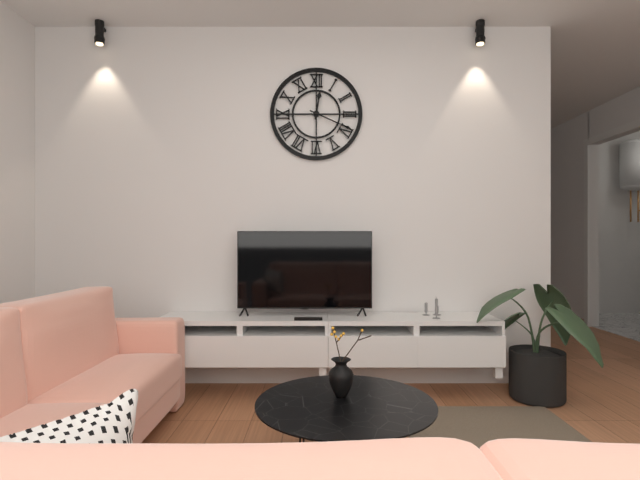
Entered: {"hour": 12, "minute": 19}
